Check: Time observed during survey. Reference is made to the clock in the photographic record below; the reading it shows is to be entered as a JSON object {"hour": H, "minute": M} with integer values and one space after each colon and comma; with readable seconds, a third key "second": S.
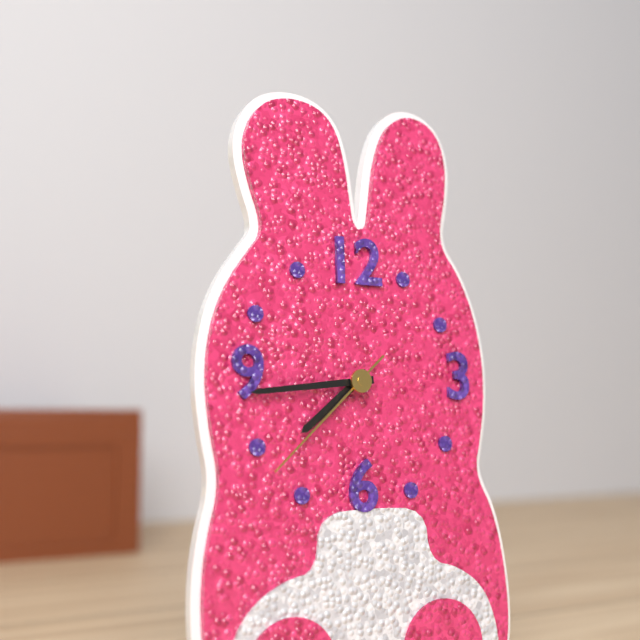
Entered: {"hour": 7, "minute": 44, "second": 38}
